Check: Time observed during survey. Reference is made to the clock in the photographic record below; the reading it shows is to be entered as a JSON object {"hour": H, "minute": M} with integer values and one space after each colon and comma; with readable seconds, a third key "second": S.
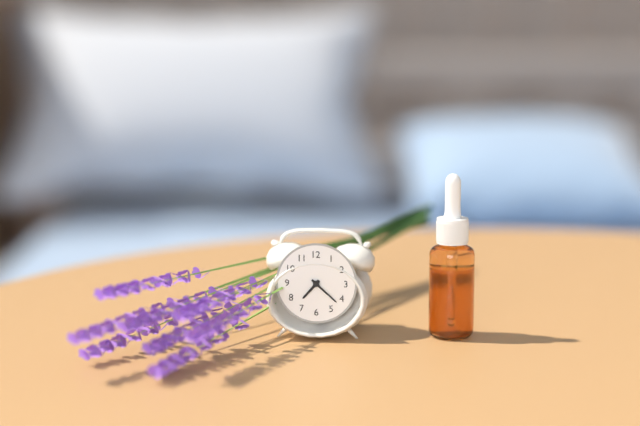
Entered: {"hour": 7, "minute": 22}
